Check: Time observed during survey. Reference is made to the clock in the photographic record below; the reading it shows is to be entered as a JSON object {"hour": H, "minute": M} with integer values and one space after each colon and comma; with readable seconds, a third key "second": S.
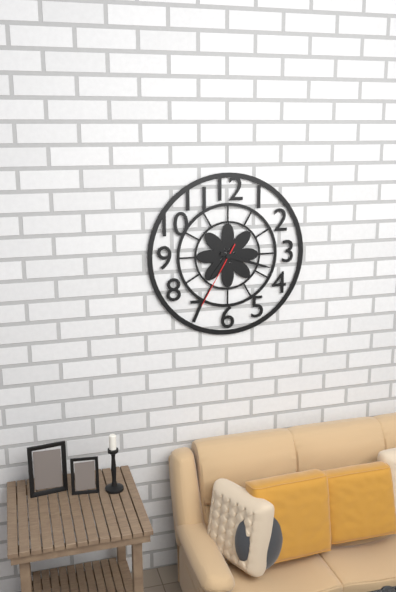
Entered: {"hour": 7, "minute": 18, "second": 35}
